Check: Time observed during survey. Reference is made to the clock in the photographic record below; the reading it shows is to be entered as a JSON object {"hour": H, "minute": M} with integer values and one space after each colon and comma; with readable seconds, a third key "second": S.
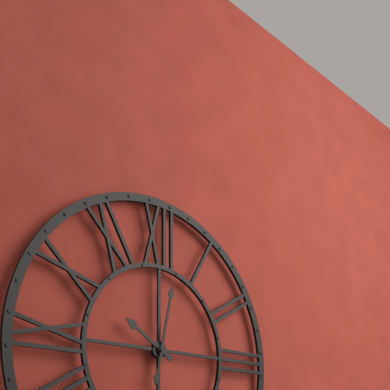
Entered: {"hour": 10, "minute": 2}
